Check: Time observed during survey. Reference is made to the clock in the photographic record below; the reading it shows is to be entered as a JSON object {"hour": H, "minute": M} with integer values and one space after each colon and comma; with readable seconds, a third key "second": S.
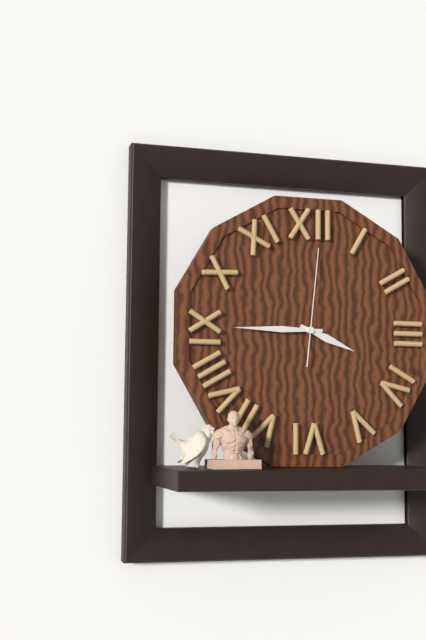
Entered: {"hour": 3, "minute": 45, "second": 1}
